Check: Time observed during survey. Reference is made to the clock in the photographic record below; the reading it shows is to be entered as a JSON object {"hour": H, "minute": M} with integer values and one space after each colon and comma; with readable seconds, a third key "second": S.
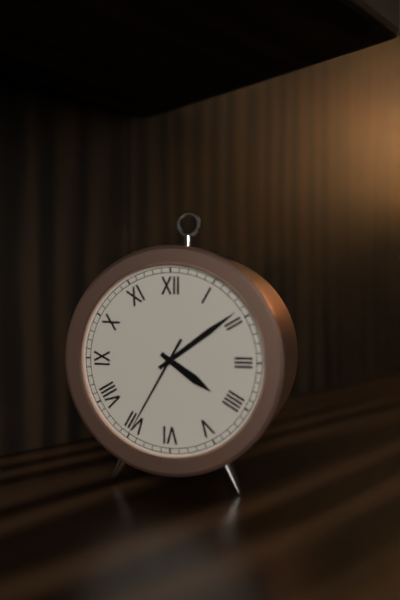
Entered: {"hour": 4, "minute": 9, "second": 35}
